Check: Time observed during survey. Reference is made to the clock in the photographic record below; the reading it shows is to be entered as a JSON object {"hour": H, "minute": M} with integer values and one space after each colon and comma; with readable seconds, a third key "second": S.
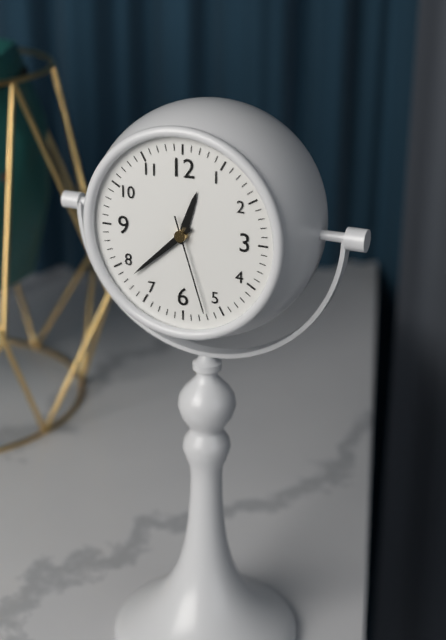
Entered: {"hour": 12, "minute": 38, "second": 27}
